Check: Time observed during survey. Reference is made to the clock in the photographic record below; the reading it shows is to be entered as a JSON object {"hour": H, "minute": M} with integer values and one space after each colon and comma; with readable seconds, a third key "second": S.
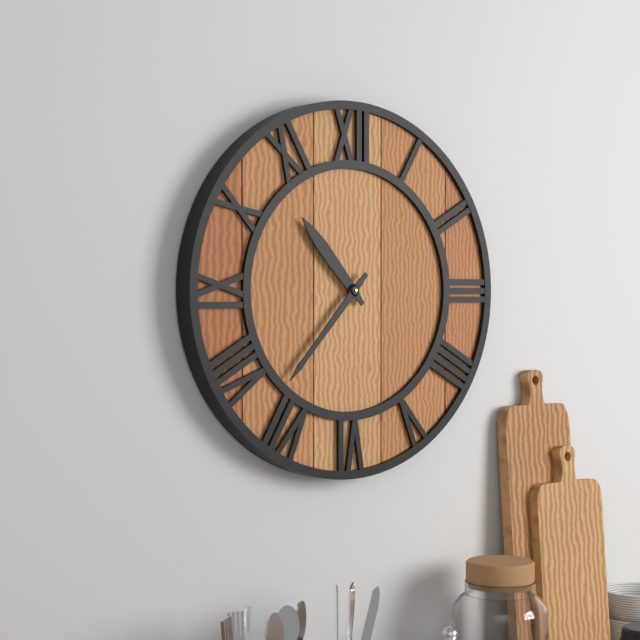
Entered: {"hour": 10, "minute": 37}
